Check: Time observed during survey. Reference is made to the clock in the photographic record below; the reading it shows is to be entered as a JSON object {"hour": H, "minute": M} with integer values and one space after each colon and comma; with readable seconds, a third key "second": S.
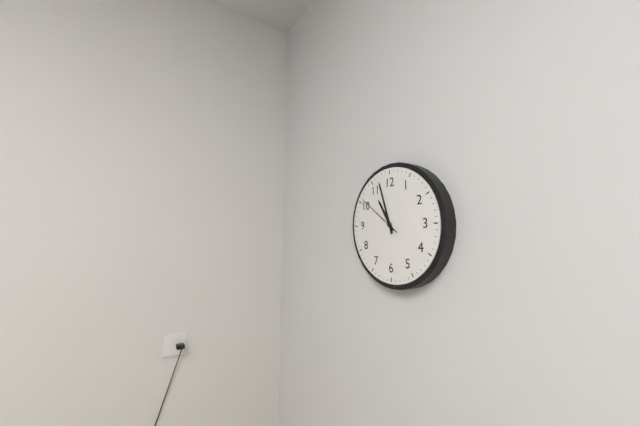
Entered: {"hour": 10, "minute": 57}
